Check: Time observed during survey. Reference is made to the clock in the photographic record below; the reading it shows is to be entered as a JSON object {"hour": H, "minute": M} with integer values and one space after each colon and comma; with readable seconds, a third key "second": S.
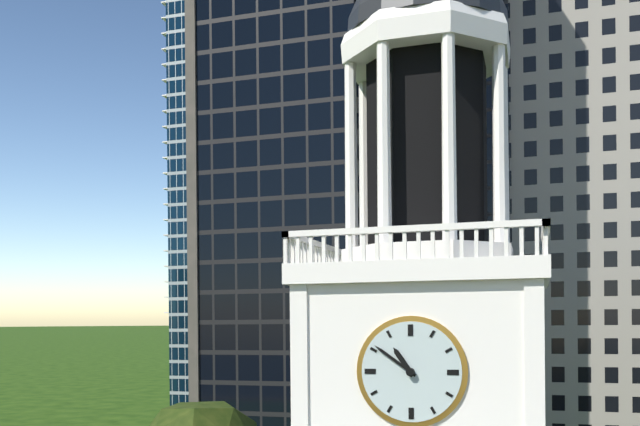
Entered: {"hour": 10, "minute": 51}
